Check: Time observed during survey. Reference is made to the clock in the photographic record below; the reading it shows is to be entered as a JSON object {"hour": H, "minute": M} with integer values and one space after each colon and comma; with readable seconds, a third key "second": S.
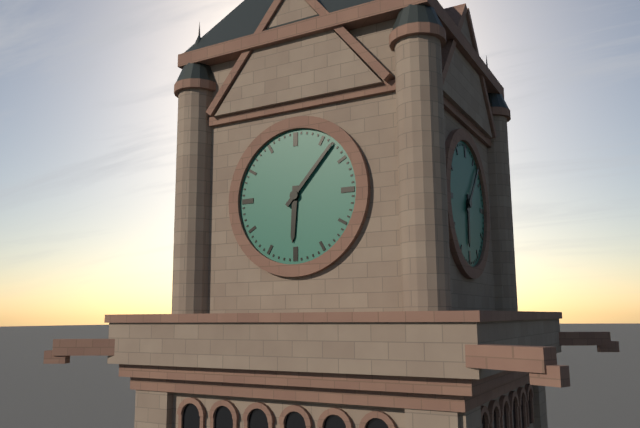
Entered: {"hour": 6, "minute": 7}
